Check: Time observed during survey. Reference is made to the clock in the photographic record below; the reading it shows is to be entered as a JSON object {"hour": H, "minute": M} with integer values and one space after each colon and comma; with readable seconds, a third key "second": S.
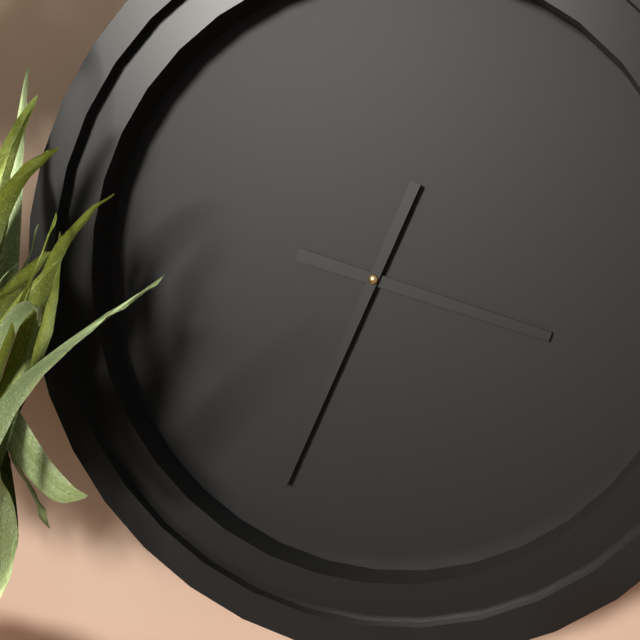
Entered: {"hour": 3, "minute": 34}
